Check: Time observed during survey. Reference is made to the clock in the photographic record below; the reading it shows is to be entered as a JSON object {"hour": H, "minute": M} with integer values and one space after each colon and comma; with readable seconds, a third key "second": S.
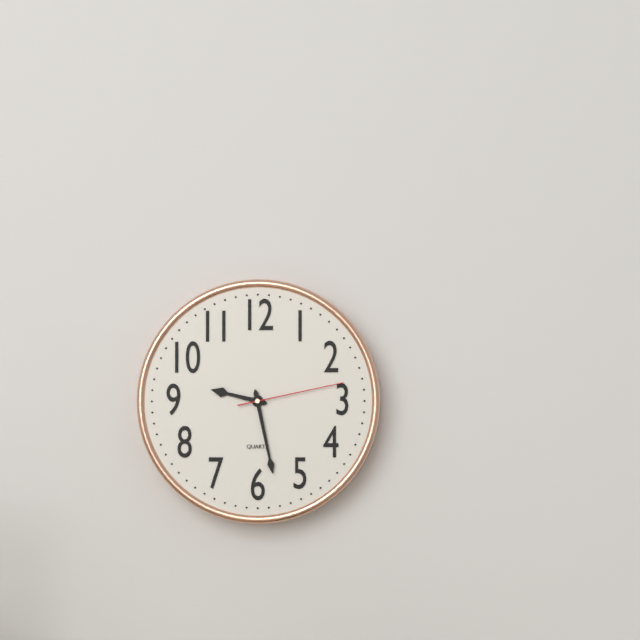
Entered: {"hour": 9, "minute": 28, "second": 13}
